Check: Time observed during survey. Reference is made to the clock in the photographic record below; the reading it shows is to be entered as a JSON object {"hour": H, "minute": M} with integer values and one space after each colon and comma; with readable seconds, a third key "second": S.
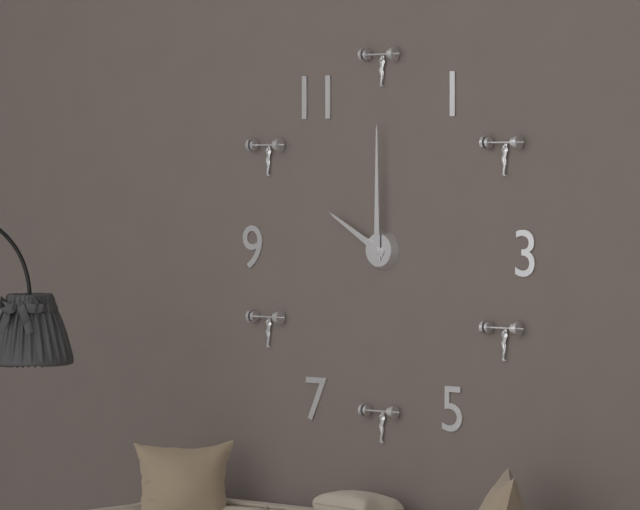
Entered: {"hour": 10, "minute": 0}
